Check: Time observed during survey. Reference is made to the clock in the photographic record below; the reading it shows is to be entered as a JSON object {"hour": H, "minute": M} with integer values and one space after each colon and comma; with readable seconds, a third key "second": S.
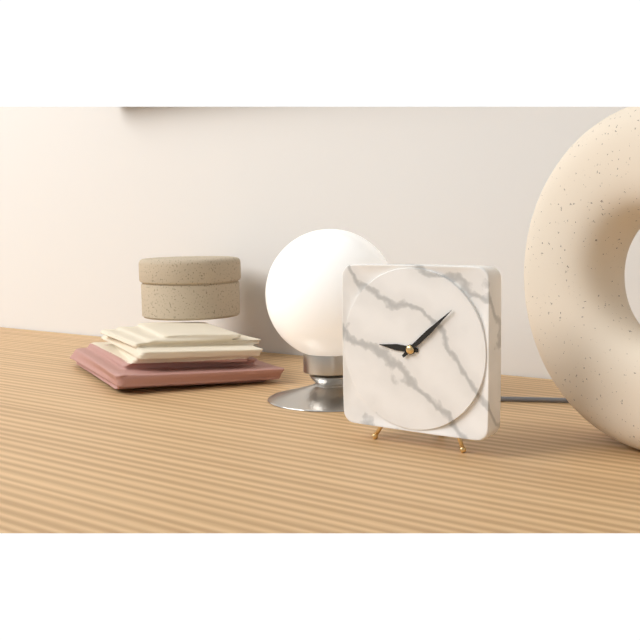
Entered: {"hour": 9, "minute": 8}
